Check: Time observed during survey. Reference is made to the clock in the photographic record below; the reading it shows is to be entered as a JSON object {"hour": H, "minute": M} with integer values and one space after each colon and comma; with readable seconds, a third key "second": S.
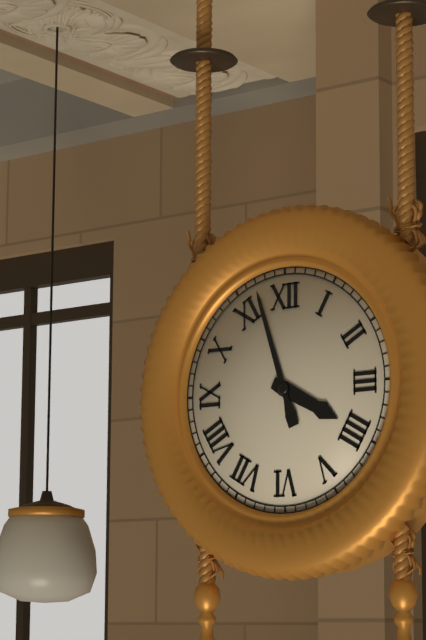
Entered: {"hour": 3, "minute": 57}
